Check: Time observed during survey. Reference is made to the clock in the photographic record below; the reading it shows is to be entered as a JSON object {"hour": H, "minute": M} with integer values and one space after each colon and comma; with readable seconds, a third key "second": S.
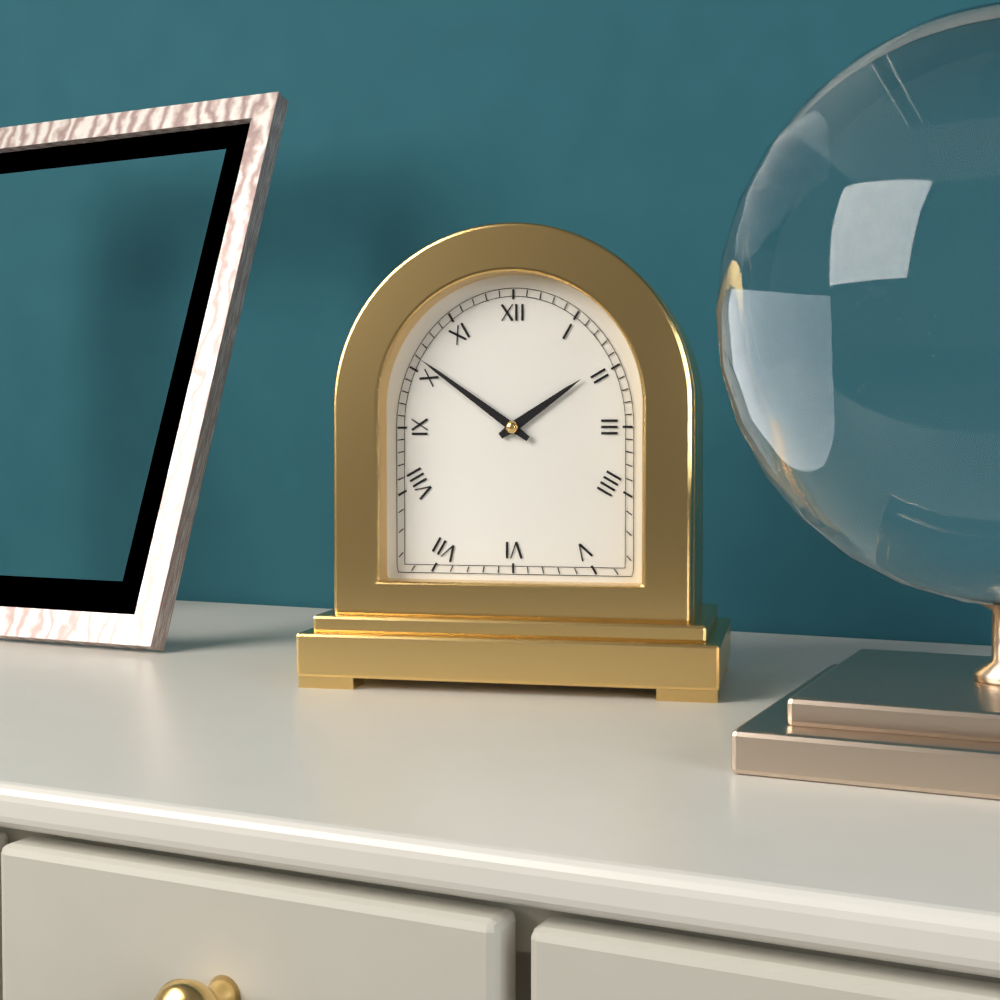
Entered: {"hour": 1, "minute": 51}
